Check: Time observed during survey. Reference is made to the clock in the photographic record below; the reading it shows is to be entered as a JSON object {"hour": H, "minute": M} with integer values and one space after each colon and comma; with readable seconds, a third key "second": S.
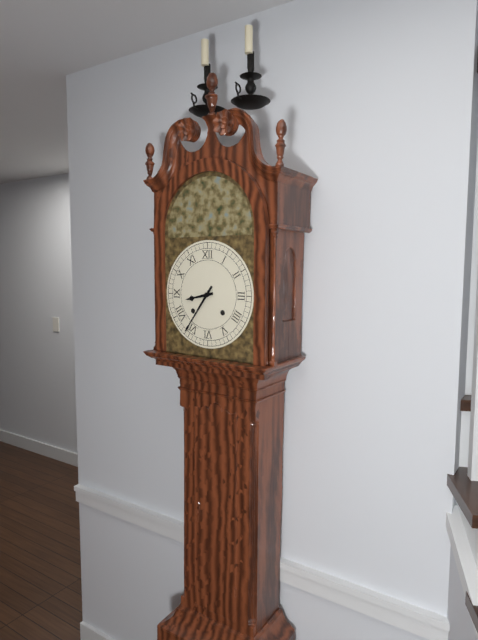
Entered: {"hour": 8, "minute": 36}
